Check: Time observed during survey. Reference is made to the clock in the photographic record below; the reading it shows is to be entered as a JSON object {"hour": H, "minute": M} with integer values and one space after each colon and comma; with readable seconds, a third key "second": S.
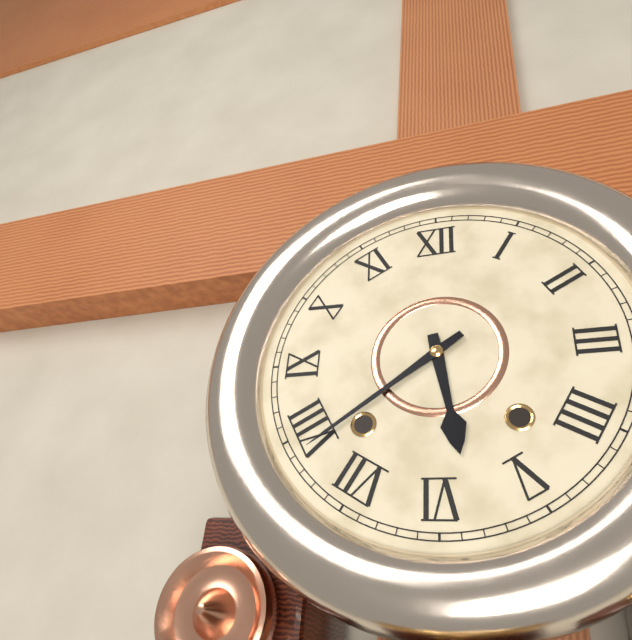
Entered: {"hour": 5, "minute": 39}
